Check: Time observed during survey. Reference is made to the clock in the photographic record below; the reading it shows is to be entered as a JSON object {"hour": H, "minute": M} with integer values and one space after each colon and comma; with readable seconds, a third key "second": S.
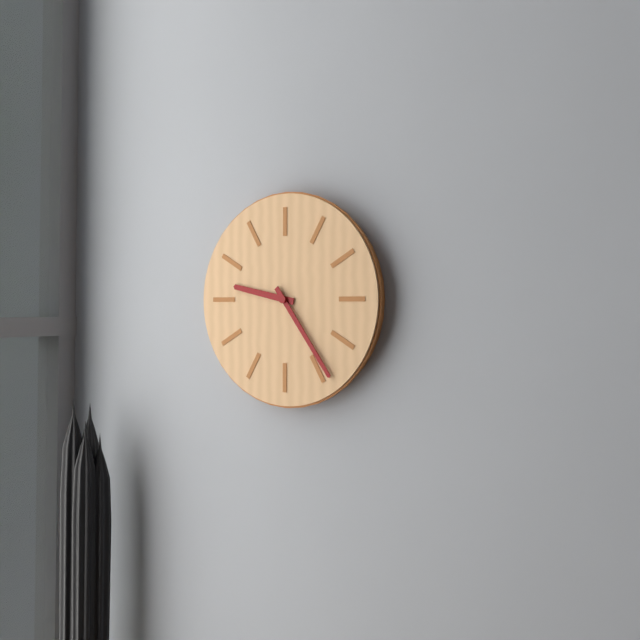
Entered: {"hour": 9, "minute": 24}
